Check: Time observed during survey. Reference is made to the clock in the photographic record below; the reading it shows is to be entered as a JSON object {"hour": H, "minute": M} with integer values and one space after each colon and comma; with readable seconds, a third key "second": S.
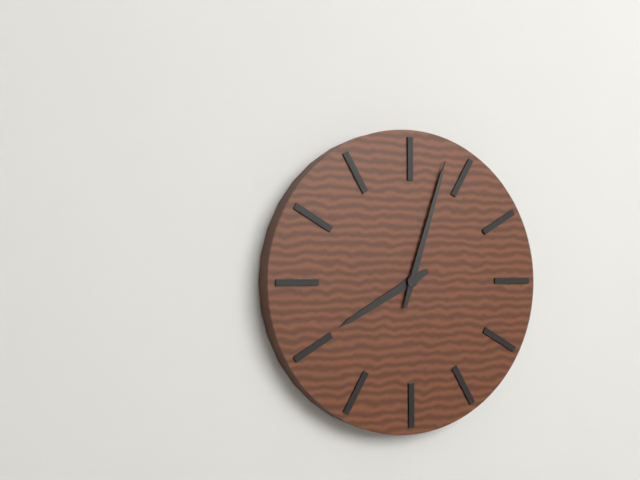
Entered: {"hour": 8, "minute": 3}
